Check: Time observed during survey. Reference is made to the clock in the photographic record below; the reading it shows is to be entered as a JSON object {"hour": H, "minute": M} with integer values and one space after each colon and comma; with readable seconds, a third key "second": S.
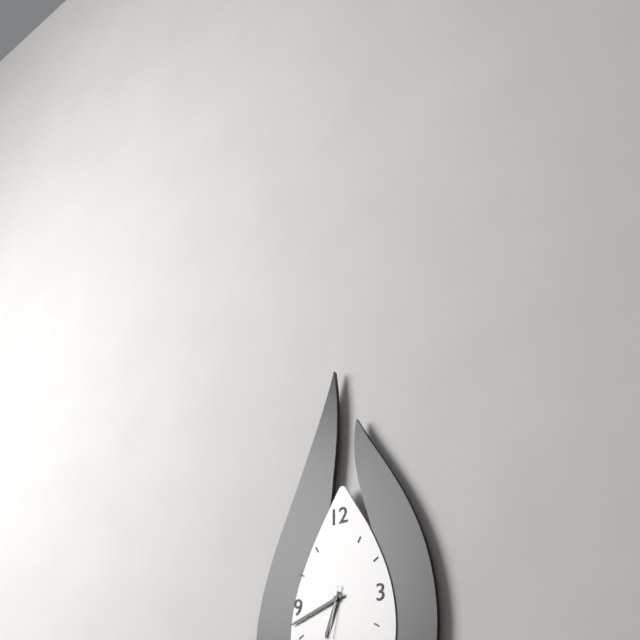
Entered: {"hour": 6, "minute": 42}
